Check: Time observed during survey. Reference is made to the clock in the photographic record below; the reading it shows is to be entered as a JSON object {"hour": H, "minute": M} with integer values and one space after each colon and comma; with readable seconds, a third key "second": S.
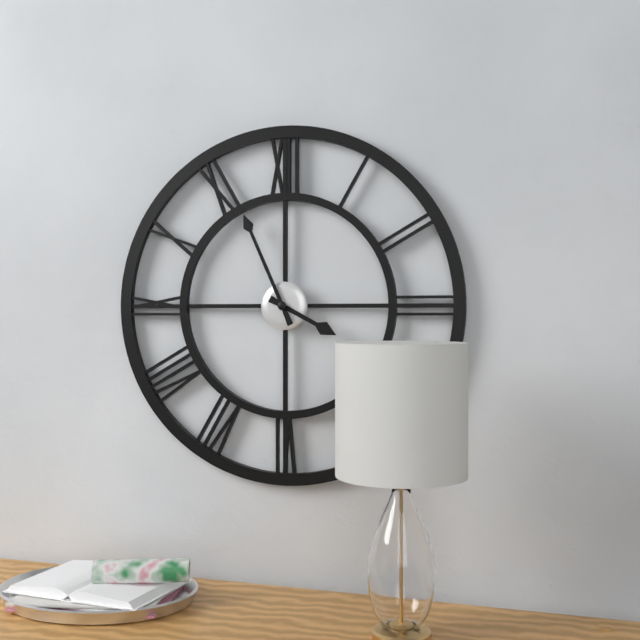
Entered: {"hour": 3, "minute": 56}
